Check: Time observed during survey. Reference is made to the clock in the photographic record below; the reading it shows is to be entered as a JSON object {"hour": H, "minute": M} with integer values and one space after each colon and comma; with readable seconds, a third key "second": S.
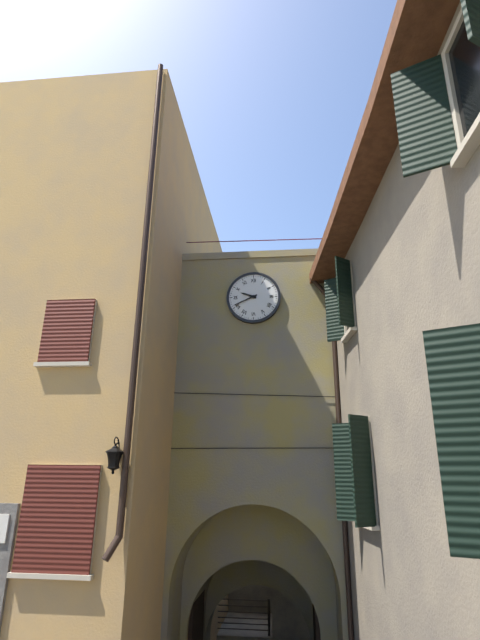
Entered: {"hour": 9, "minute": 41}
